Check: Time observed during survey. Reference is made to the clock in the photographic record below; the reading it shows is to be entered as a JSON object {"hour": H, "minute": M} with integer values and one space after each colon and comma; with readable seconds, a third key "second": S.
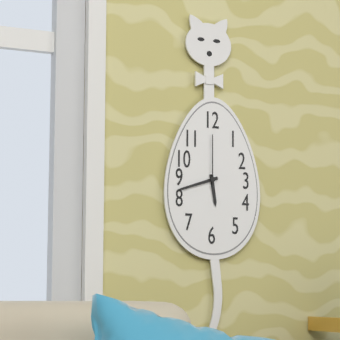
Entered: {"hour": 5, "minute": 42, "second": 0}
